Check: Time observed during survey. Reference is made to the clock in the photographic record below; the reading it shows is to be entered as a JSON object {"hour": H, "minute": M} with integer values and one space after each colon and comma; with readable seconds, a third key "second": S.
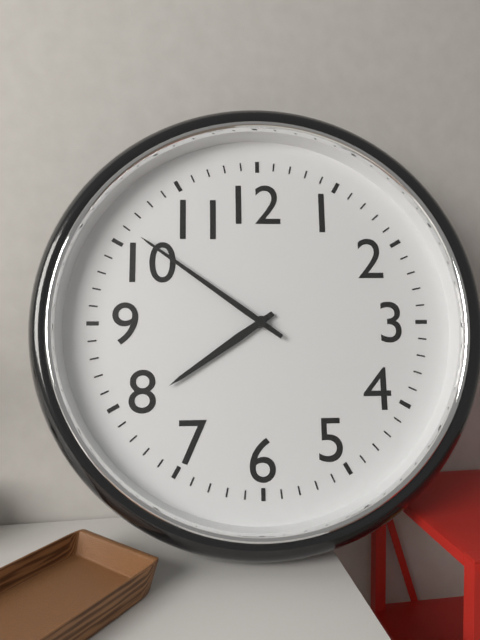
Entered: {"hour": 7, "minute": 51}
